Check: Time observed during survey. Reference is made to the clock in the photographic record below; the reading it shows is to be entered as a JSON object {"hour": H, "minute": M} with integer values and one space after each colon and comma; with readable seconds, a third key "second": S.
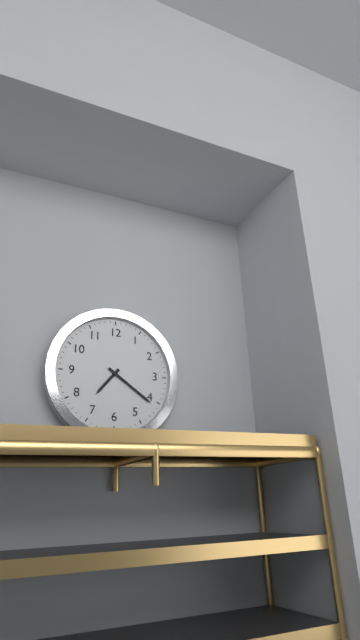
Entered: {"hour": 7, "minute": 21}
